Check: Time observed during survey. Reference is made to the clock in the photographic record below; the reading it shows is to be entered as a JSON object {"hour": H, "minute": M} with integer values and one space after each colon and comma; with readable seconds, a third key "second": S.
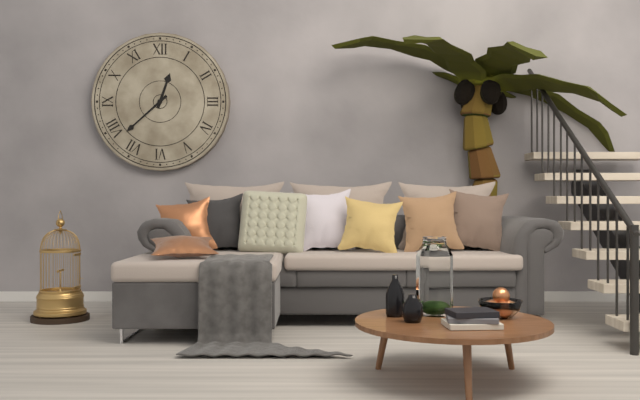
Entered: {"hour": 12, "minute": 38}
